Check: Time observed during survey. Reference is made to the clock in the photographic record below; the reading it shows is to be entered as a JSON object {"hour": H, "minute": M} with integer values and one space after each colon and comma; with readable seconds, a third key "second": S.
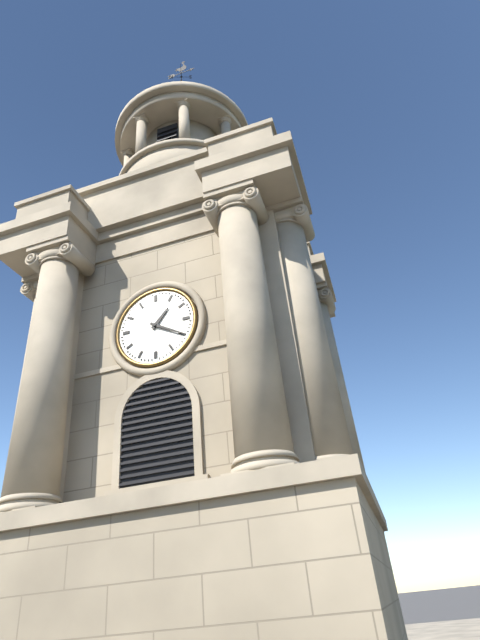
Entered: {"hour": 1, "minute": 20}
